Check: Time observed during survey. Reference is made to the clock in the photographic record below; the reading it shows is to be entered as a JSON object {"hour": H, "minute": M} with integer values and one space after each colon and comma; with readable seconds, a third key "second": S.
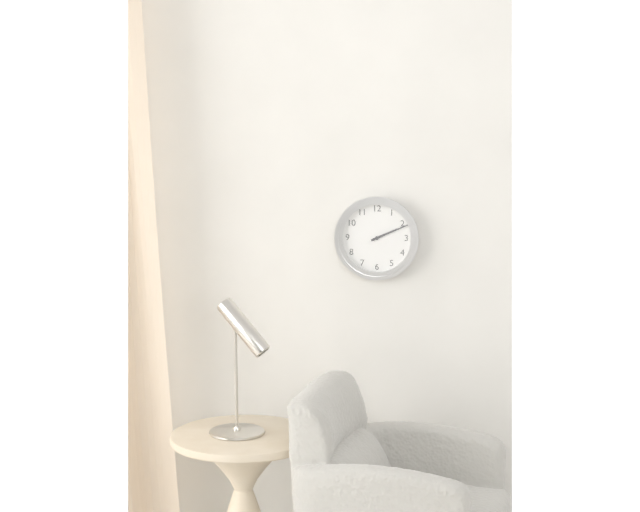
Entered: {"hour": 2, "minute": 11}
